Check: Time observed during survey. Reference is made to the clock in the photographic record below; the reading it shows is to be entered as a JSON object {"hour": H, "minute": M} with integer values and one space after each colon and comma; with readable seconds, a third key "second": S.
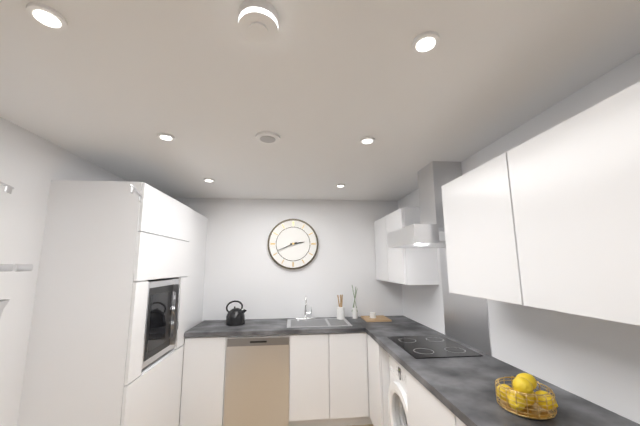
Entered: {"hour": 2, "minute": 41}
